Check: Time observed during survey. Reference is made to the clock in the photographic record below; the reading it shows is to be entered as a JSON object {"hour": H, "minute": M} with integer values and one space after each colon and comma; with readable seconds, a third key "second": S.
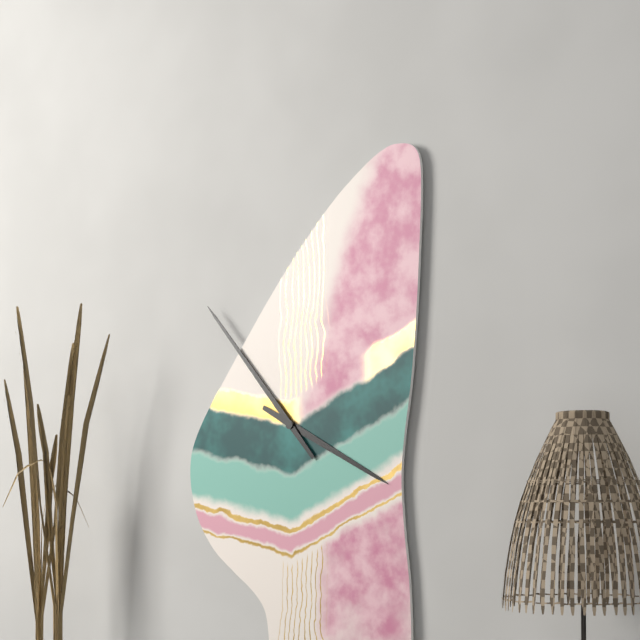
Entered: {"hour": 3, "minute": 53}
